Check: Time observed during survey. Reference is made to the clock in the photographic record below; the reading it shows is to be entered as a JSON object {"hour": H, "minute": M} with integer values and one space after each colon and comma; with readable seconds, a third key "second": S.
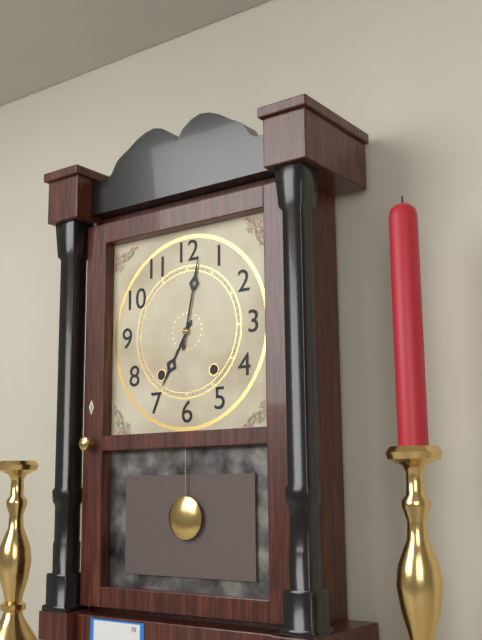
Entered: {"hour": 7, "minute": 2}
